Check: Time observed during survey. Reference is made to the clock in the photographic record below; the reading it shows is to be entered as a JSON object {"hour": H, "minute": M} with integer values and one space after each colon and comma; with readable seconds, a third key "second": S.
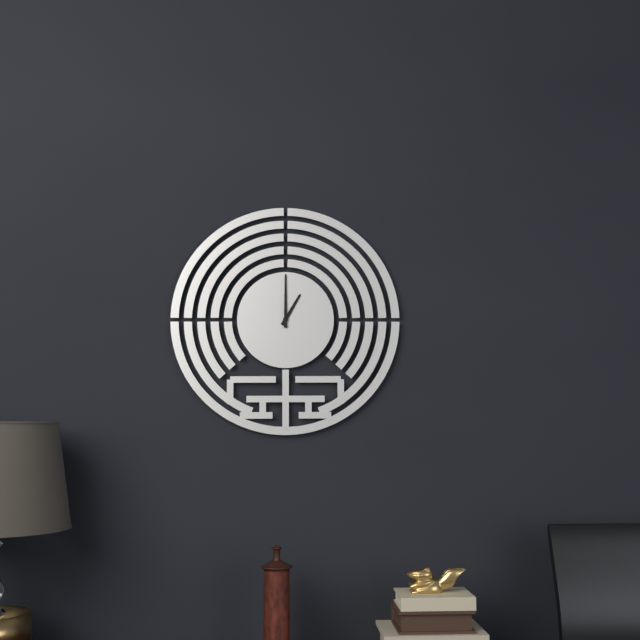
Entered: {"hour": 1, "minute": 0}
